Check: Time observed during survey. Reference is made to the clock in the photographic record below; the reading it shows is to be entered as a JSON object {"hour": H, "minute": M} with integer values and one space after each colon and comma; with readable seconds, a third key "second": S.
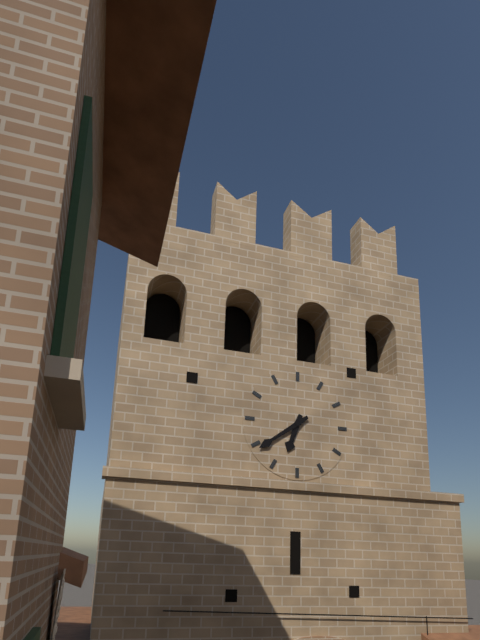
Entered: {"hour": 6, "minute": 39}
